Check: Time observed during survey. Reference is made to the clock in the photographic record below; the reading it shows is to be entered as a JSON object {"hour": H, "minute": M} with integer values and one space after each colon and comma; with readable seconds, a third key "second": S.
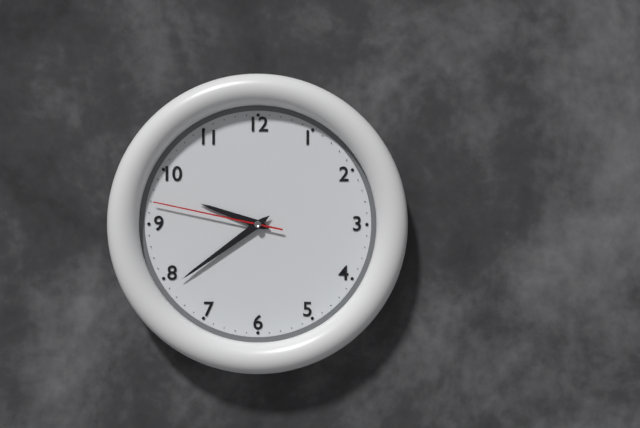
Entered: {"hour": 9, "minute": 39, "second": 47}
